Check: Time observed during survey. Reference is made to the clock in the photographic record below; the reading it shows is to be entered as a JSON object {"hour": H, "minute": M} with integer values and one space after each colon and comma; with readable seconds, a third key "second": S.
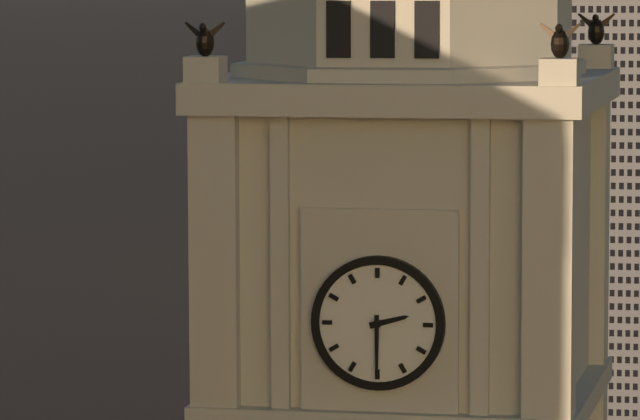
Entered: {"hour": 2, "minute": 30}
